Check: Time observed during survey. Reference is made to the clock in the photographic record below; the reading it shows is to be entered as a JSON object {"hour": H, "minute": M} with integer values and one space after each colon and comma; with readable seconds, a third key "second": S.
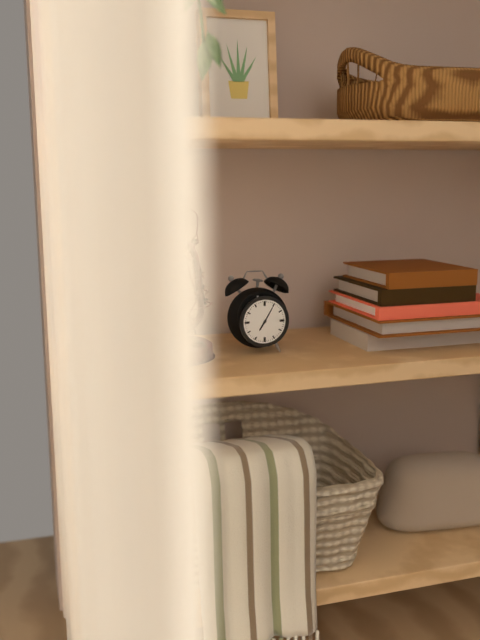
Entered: {"hour": 7, "minute": 5}
